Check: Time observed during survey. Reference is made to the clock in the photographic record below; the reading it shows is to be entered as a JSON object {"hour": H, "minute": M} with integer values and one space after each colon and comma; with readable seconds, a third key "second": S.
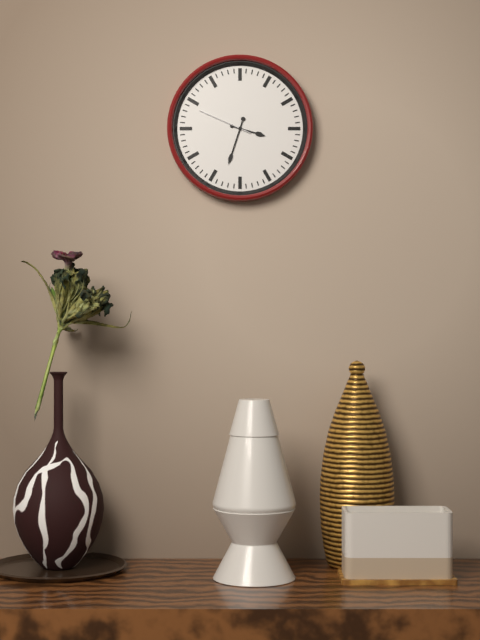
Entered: {"hour": 3, "minute": 33, "second": 49}
